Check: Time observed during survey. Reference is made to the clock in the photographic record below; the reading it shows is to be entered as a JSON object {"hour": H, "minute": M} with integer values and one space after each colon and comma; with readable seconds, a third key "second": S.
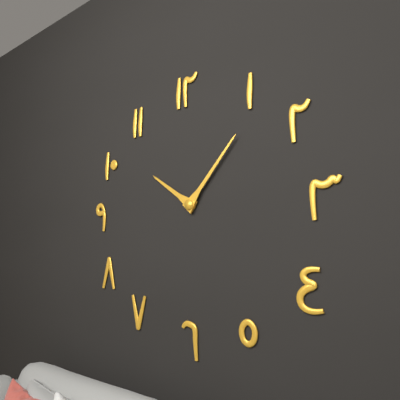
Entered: {"hour": 10, "minute": 7}
